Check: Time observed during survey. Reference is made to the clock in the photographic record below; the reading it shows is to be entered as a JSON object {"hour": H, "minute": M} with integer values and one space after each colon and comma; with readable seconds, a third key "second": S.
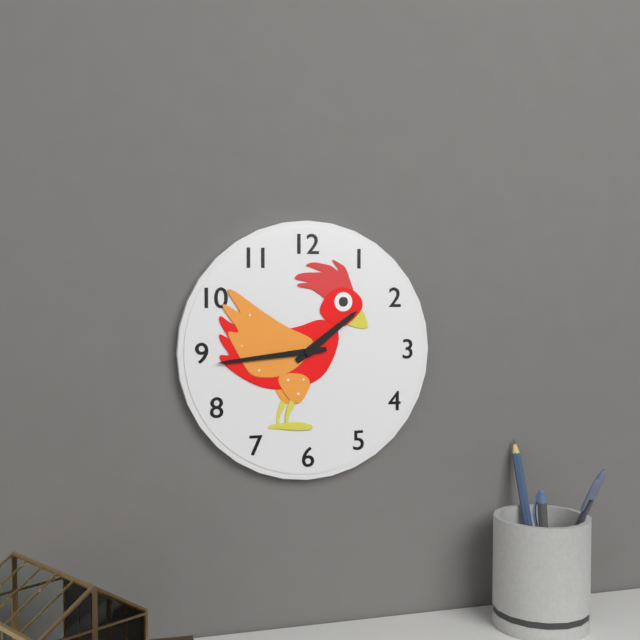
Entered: {"hour": 1, "minute": 44}
